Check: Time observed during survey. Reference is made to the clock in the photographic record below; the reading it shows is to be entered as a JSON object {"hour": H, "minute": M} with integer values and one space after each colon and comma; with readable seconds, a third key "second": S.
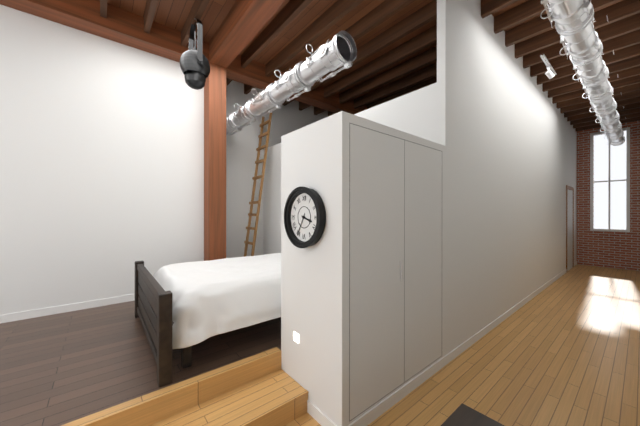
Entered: {"hour": 3, "minute": 35}
